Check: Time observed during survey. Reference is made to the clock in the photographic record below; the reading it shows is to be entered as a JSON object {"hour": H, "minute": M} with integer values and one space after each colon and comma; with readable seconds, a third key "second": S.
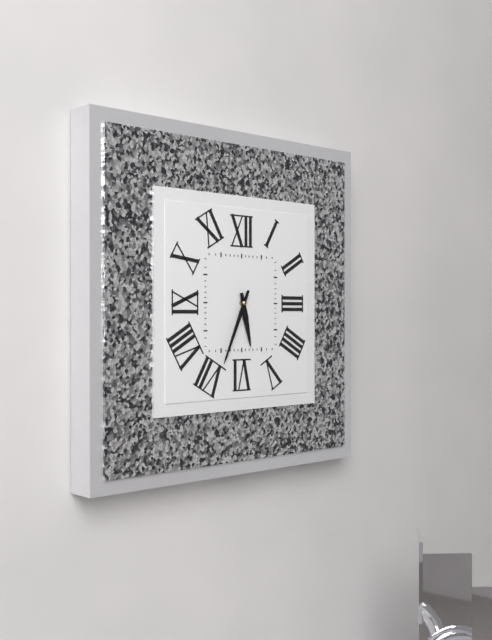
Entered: {"hour": 5, "minute": 34}
